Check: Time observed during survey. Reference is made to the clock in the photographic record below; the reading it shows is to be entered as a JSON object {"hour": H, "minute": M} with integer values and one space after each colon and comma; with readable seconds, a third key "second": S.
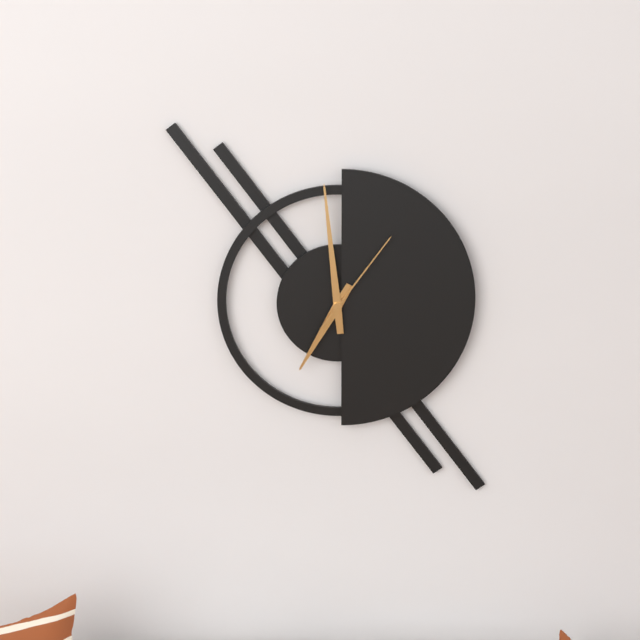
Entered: {"hour": 6, "minute": 59, "second": 6}
